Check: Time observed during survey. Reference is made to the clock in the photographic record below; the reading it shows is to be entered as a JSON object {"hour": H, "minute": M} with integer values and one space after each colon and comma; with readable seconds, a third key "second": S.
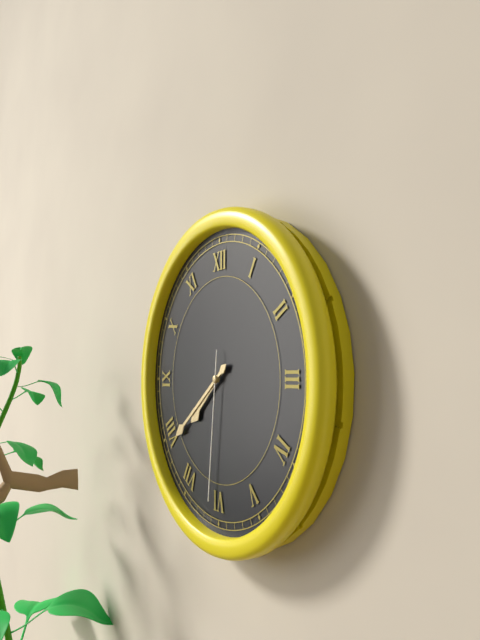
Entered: {"hour": 7, "minute": 39, "second": 31}
